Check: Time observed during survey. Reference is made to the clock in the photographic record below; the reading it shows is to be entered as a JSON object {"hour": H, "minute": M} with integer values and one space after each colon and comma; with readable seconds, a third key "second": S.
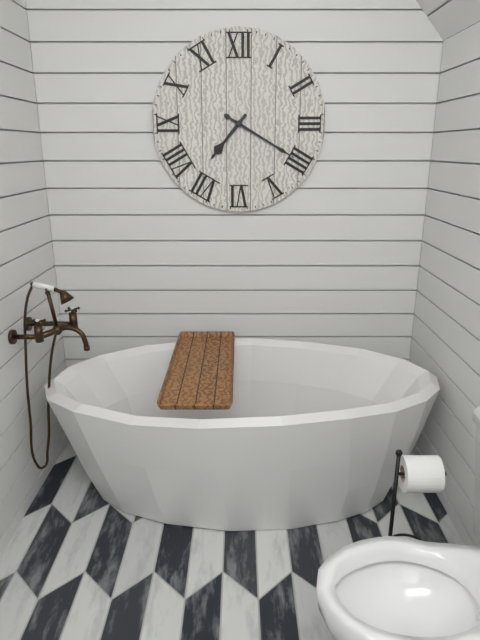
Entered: {"hour": 7, "minute": 20}
